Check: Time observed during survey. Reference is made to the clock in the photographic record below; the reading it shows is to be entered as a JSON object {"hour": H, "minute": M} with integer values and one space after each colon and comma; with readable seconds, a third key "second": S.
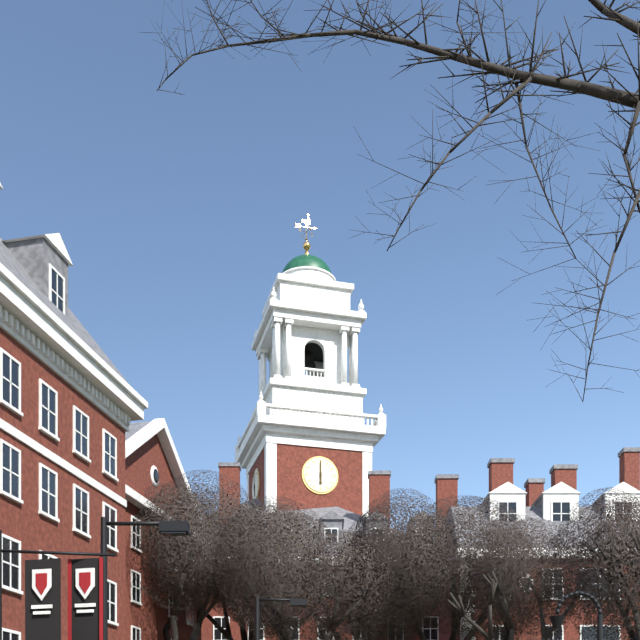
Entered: {"hour": 6, "minute": 0}
